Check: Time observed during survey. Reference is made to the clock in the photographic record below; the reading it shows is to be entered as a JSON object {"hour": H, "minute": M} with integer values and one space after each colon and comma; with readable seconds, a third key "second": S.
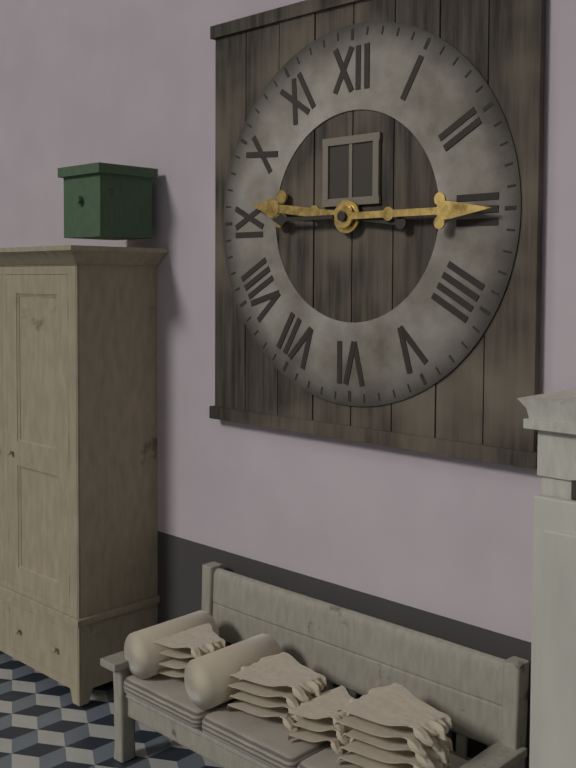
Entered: {"hour": 9, "minute": 15}
